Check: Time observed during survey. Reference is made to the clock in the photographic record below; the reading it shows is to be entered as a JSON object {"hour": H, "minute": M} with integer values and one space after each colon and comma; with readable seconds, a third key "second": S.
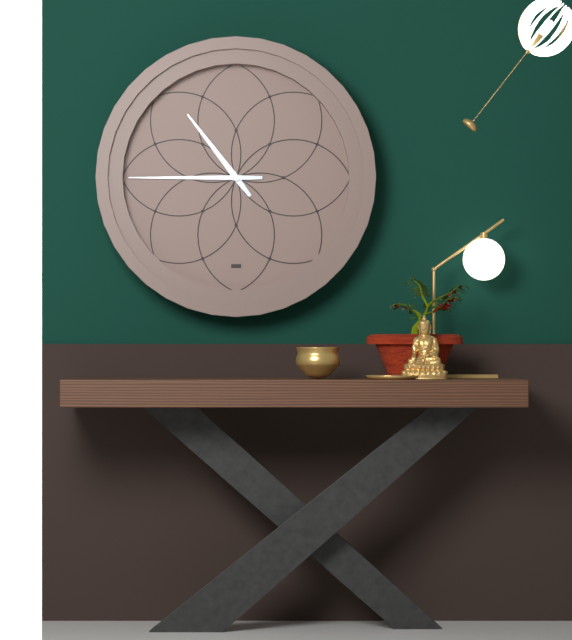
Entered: {"hour": 10, "minute": 45}
